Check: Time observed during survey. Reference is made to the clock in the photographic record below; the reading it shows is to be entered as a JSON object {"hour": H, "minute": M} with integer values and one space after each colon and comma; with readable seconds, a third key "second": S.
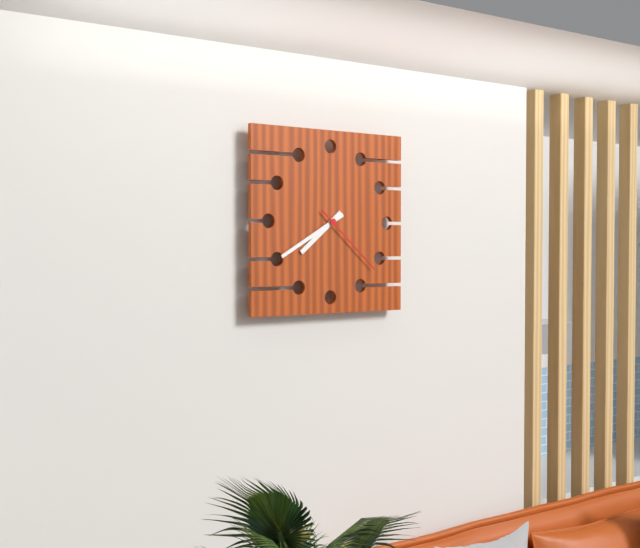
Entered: {"hour": 7, "minute": 40, "second": 22}
